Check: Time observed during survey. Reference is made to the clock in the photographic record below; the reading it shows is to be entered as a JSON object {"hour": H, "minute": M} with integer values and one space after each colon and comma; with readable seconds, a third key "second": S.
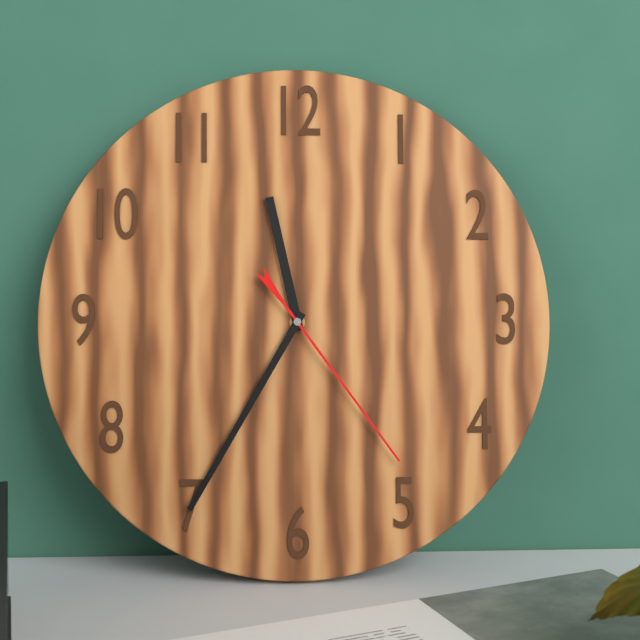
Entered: {"hour": 11, "minute": 35, "second": 24}
